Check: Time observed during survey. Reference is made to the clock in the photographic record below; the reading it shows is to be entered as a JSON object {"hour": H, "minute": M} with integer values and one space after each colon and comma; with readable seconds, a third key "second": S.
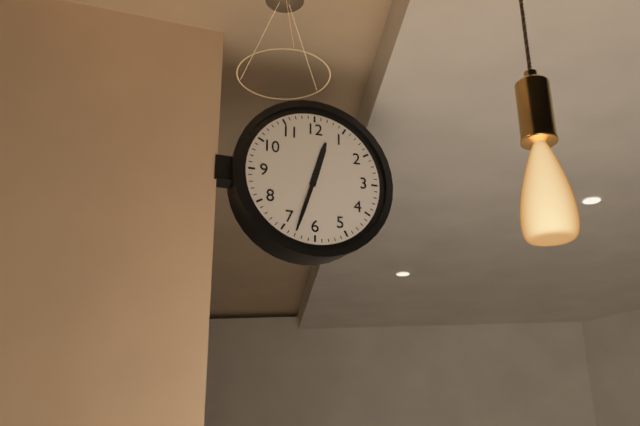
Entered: {"hour": 12, "minute": 33}
